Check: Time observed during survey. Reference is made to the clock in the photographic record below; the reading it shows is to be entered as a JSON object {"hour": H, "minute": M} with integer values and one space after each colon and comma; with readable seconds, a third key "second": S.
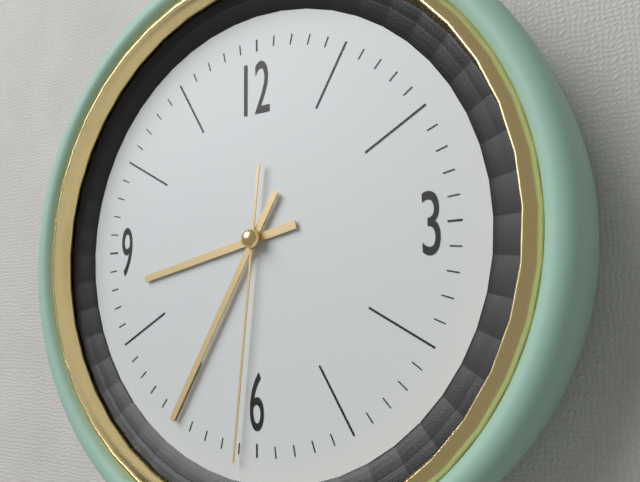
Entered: {"hour": 8, "minute": 35, "second": 31}
